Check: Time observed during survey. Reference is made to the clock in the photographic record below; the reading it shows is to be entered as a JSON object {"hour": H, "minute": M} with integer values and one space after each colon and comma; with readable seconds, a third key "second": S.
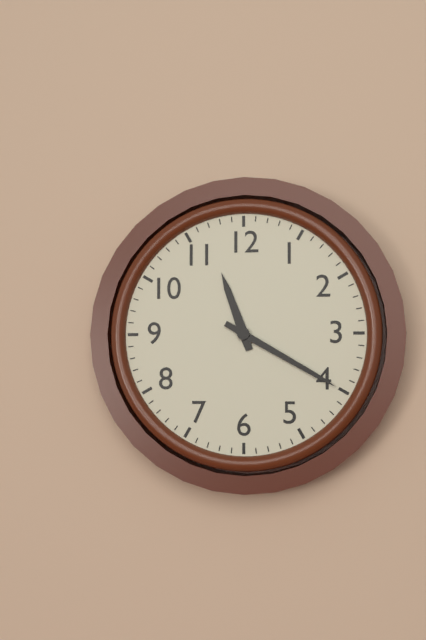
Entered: {"hour": 11, "minute": 20}
